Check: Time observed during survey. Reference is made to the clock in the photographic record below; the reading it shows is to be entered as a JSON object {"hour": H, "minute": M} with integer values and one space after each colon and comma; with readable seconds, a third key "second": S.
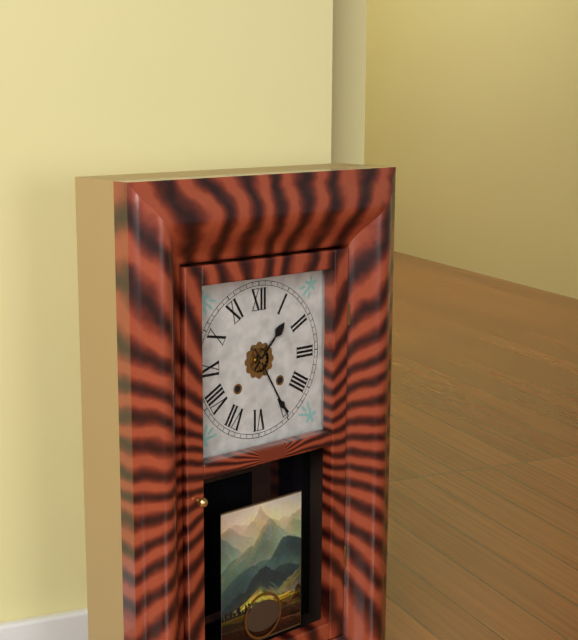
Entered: {"hour": 1, "minute": 25}
